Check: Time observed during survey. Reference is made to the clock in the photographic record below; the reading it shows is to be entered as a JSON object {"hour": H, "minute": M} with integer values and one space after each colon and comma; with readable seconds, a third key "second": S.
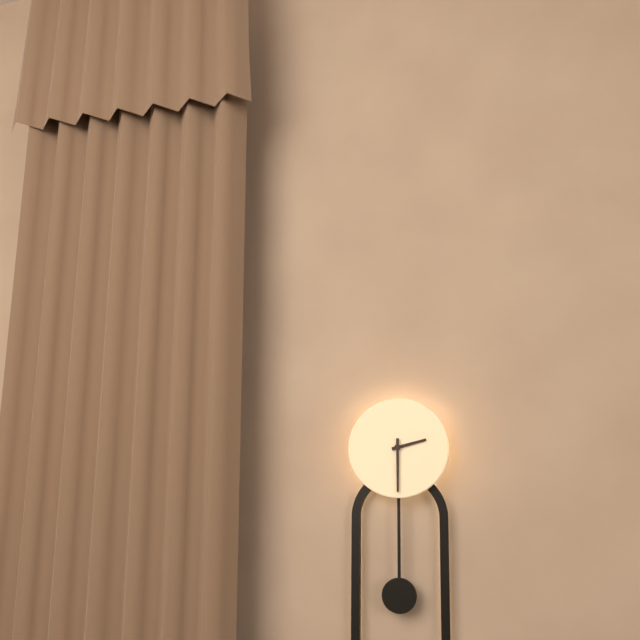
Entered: {"hour": 2, "minute": 30}
